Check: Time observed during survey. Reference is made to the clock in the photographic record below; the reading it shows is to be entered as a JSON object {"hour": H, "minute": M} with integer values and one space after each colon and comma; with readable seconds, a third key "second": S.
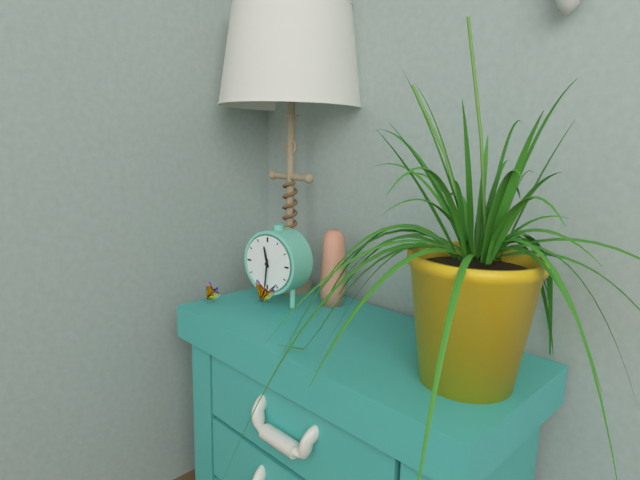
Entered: {"hour": 11, "minute": 31}
